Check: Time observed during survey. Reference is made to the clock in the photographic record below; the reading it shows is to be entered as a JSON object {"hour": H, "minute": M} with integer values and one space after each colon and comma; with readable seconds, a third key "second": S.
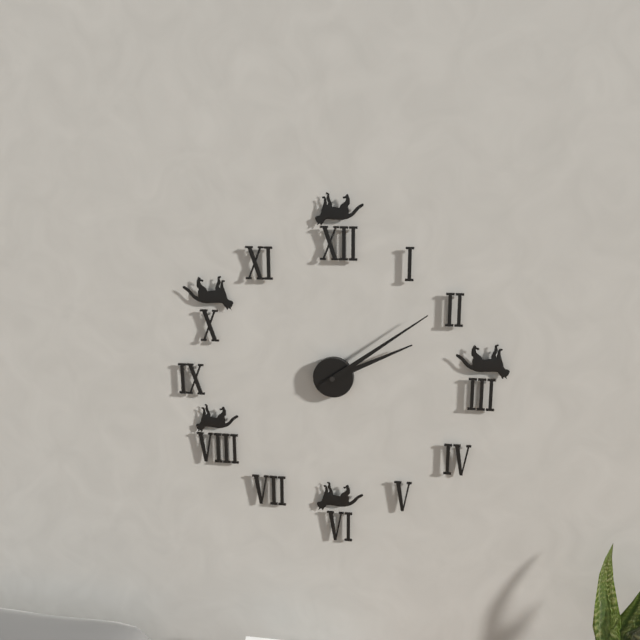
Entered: {"hour": 2, "minute": 9}
